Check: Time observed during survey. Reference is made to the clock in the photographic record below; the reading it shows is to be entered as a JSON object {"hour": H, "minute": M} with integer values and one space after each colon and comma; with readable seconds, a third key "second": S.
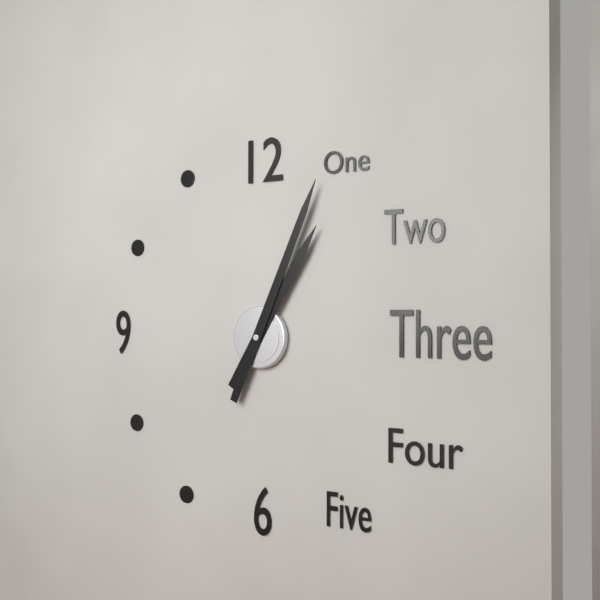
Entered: {"hour": 1, "minute": 4}
